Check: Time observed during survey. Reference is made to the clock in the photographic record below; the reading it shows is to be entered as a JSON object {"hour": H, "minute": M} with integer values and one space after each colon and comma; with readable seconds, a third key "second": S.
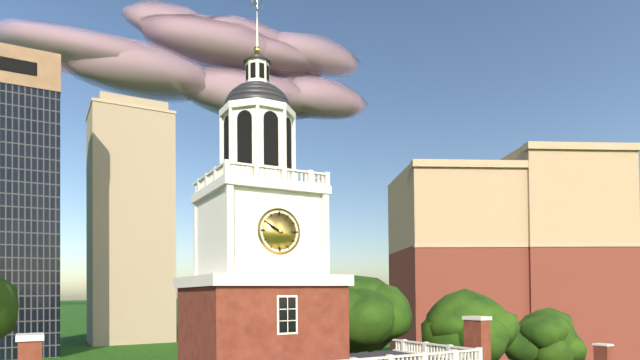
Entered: {"hour": 9, "minute": 50}
